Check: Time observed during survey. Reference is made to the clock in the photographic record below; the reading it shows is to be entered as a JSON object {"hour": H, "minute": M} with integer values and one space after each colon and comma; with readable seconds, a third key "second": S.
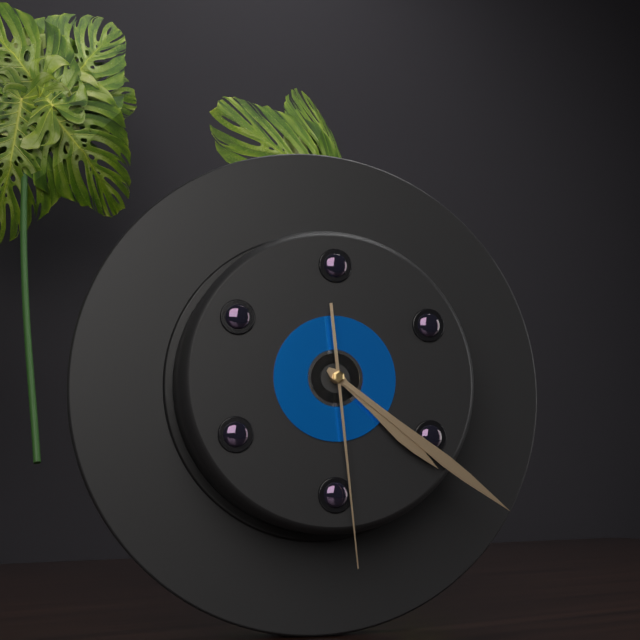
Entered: {"hour": 4, "minute": 21, "second": 29}
